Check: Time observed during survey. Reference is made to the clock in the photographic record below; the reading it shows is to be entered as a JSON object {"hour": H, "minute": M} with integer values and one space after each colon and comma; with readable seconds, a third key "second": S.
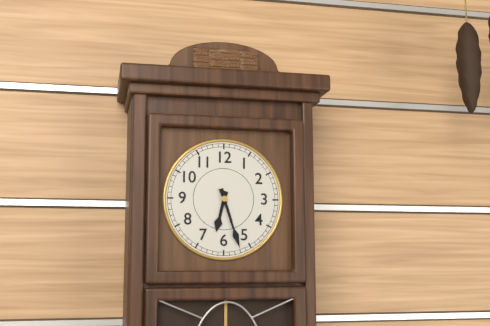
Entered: {"hour": 6, "minute": 27}
